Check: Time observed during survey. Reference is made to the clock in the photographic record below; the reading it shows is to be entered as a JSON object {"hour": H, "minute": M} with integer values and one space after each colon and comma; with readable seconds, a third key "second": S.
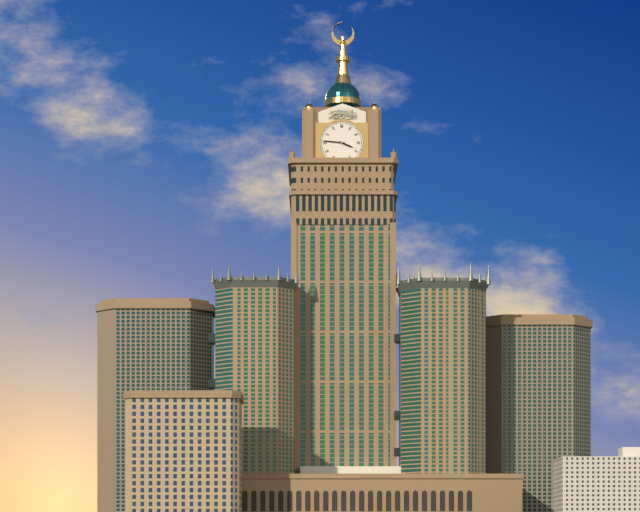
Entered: {"hour": 3, "minute": 46}
